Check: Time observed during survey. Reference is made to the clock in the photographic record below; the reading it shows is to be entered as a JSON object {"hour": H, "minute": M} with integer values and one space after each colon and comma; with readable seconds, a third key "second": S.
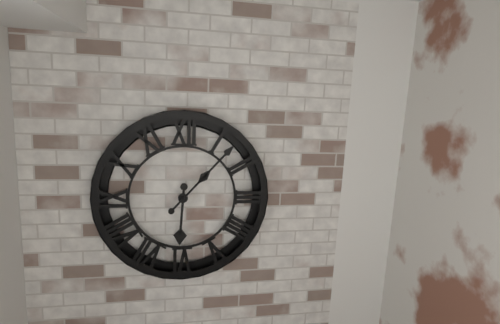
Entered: {"hour": 6, "minute": 7}
